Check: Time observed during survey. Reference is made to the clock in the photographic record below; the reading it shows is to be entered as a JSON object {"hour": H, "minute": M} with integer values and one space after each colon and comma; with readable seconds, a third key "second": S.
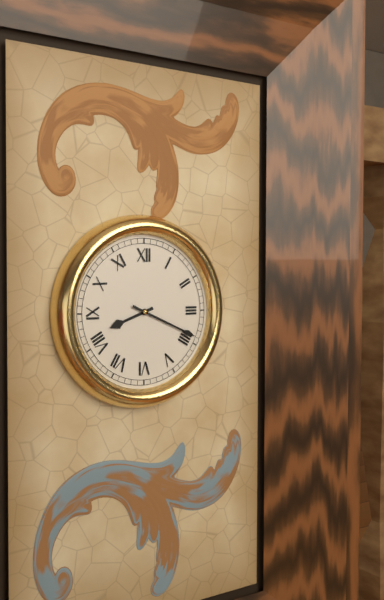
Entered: {"hour": 8, "minute": 19}
